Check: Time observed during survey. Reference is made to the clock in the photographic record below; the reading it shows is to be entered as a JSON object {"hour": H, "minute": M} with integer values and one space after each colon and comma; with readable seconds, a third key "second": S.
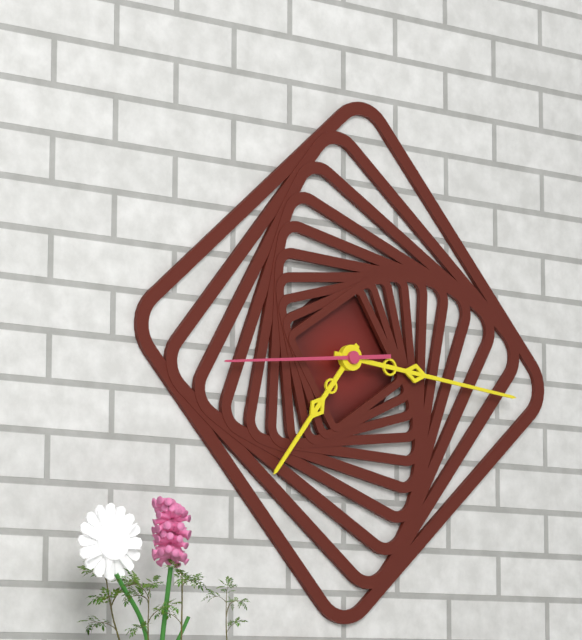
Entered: {"hour": 7, "minute": 16, "second": 44}
